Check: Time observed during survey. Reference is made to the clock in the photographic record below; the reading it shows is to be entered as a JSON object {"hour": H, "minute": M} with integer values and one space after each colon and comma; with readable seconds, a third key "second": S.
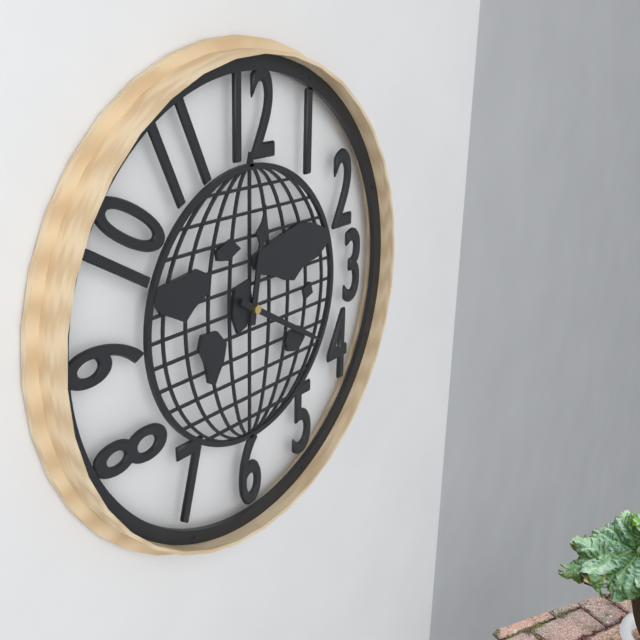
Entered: {"hour": 12, "minute": 20}
